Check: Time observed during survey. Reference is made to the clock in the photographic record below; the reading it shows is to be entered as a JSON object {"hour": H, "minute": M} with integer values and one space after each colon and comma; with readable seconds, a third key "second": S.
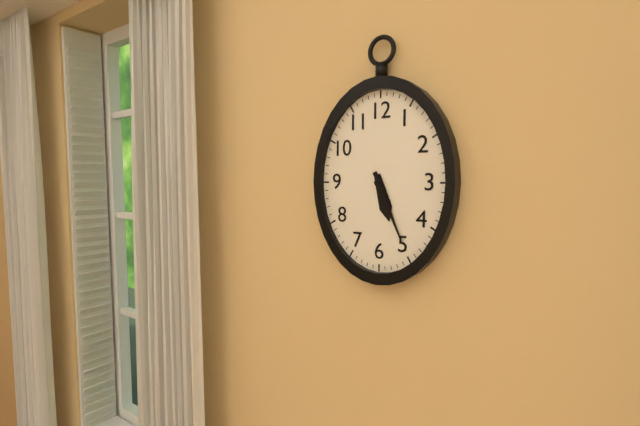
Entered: {"hour": 5, "minute": 26}
